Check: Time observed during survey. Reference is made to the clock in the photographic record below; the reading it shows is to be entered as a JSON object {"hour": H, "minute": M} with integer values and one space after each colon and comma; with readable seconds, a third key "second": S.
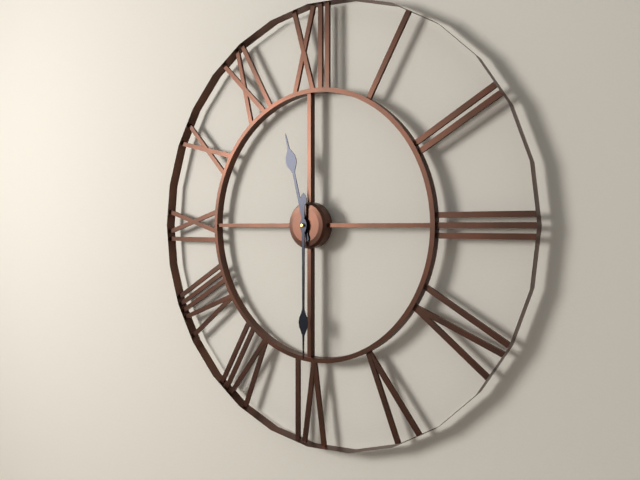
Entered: {"hour": 11, "minute": 30}
